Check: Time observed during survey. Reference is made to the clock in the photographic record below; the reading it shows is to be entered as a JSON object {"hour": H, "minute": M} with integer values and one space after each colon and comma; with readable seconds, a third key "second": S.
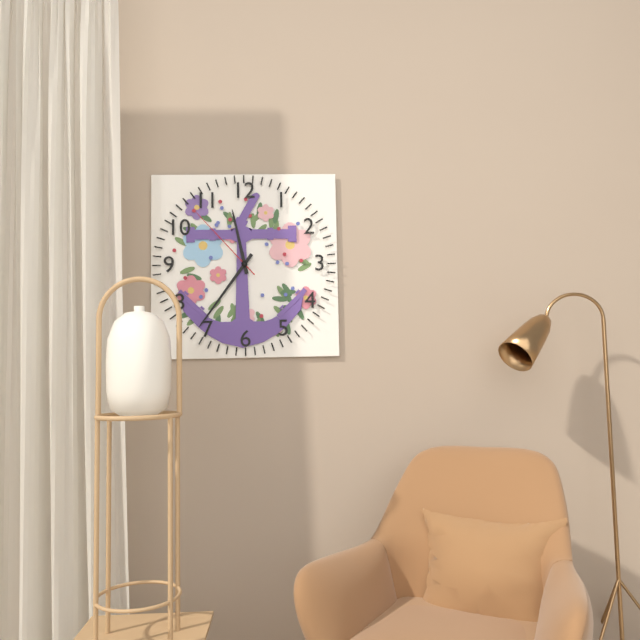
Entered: {"hour": 11, "minute": 36, "second": 53}
